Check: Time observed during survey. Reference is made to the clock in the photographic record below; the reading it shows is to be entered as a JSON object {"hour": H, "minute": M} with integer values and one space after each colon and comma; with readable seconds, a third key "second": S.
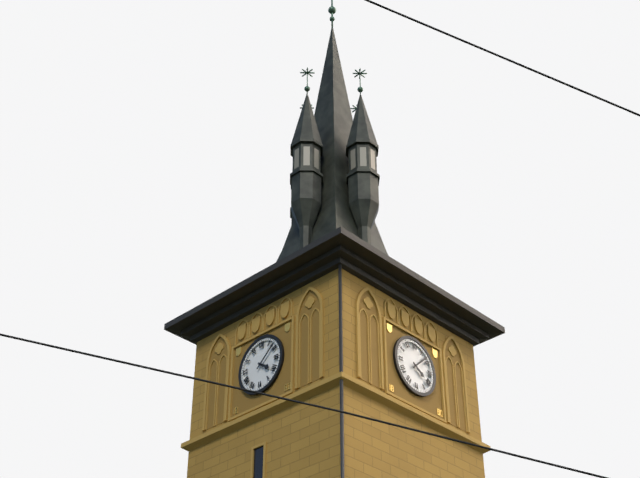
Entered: {"hour": 4, "minute": 8}
